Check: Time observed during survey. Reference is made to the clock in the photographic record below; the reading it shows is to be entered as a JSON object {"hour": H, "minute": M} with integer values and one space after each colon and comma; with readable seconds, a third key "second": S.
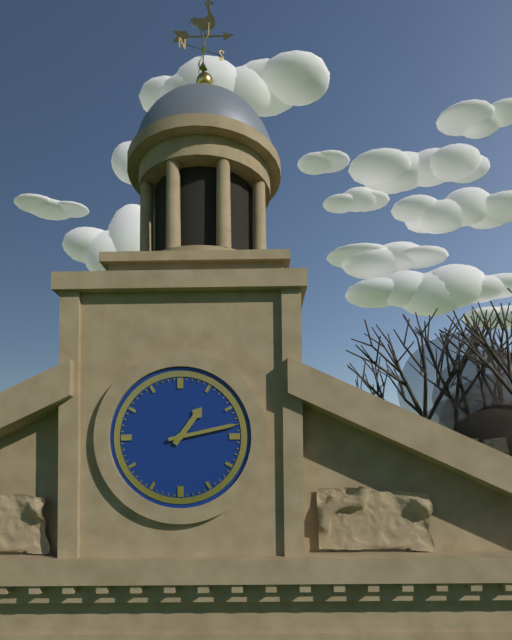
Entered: {"hour": 1, "minute": 13}
